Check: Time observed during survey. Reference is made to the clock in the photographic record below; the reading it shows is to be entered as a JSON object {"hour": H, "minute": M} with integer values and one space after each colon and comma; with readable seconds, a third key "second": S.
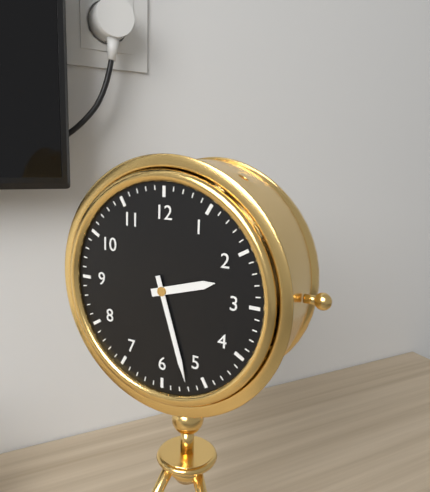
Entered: {"hour": 2, "minute": 27}
